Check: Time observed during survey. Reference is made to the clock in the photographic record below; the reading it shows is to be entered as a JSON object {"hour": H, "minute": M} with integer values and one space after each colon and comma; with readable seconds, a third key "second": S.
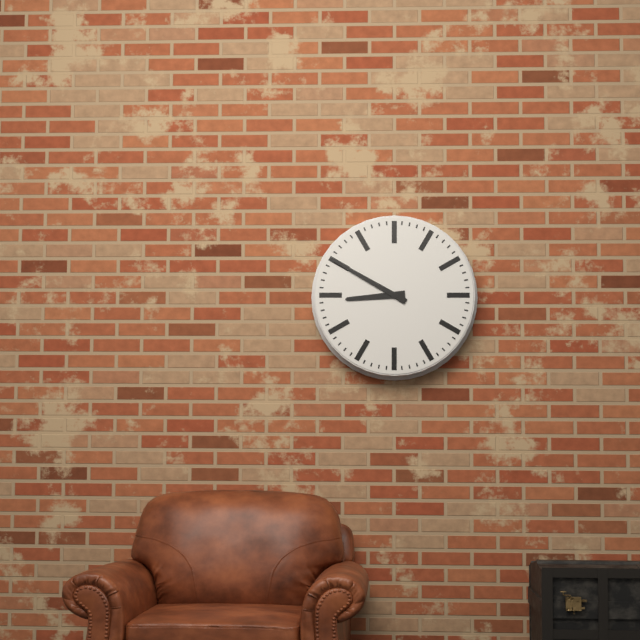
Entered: {"hour": 8, "minute": 50}
